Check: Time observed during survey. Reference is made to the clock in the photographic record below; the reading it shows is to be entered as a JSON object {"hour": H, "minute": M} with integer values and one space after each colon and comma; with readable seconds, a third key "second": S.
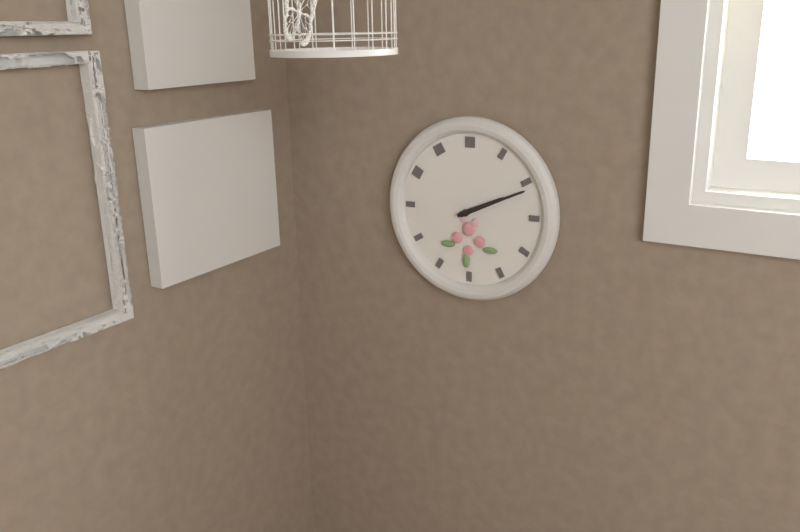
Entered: {"hour": 2, "minute": 11}
